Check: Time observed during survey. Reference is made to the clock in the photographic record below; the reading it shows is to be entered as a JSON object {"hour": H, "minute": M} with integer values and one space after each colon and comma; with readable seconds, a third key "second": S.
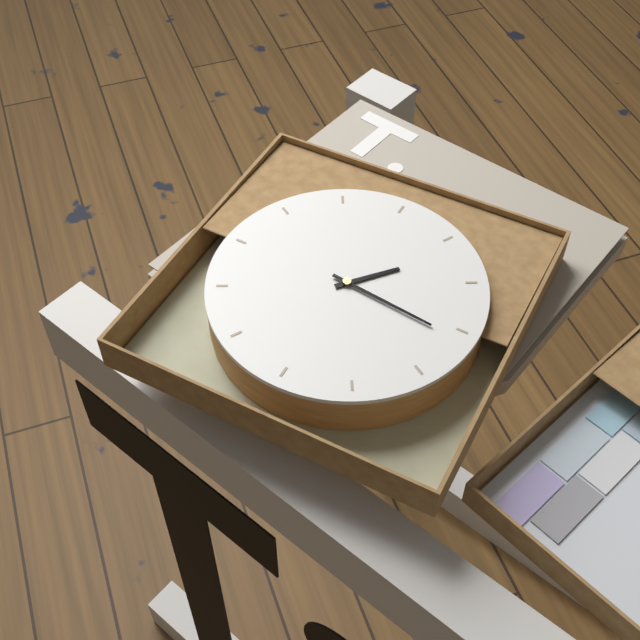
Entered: {"hour": 2, "minute": 21}
